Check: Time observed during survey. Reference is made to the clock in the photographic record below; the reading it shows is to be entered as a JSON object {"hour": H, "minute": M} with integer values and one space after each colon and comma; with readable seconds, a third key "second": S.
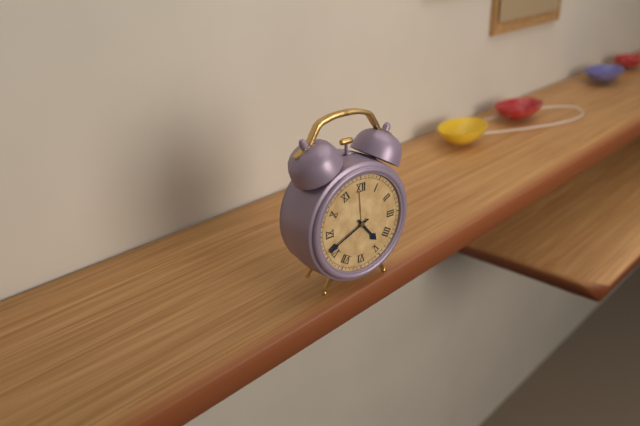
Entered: {"hour": 4, "minute": 41}
